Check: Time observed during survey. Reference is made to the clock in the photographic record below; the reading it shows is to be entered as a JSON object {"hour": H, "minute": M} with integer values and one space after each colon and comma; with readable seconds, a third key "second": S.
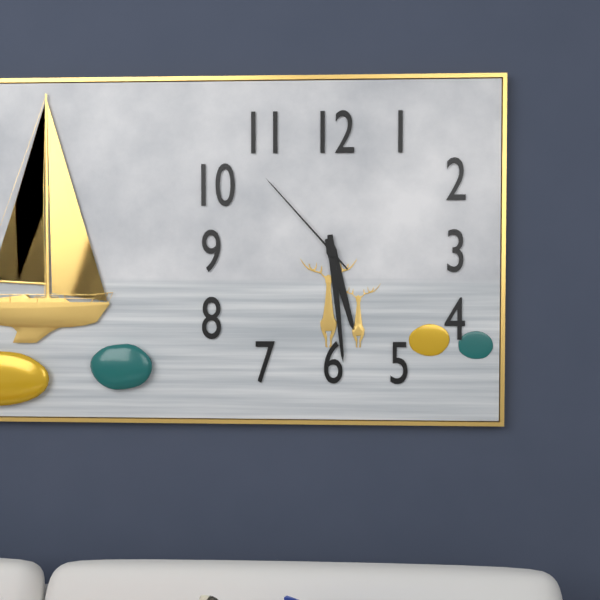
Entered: {"hour": 5, "minute": 29, "second": 53}
